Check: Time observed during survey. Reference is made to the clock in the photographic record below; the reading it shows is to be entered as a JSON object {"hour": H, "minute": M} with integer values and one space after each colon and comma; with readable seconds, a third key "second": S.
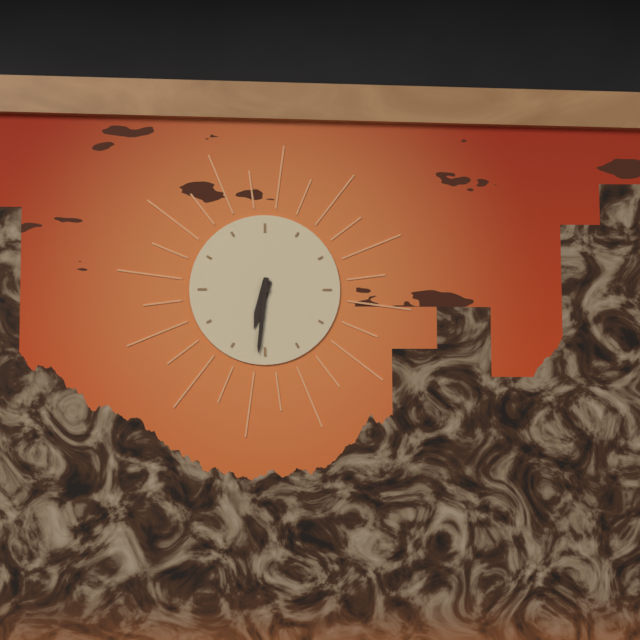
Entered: {"hour": 6, "minute": 31}
